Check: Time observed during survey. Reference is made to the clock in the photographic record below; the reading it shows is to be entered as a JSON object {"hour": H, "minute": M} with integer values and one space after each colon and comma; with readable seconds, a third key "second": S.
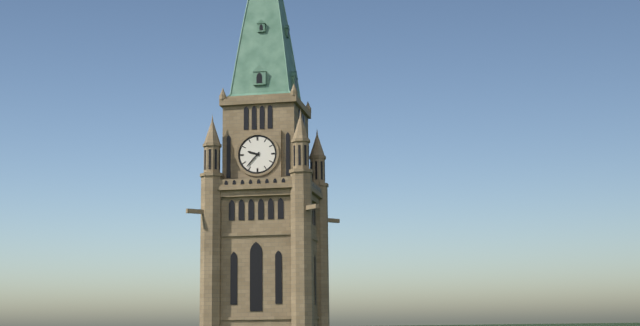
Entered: {"hour": 9, "minute": 37}
